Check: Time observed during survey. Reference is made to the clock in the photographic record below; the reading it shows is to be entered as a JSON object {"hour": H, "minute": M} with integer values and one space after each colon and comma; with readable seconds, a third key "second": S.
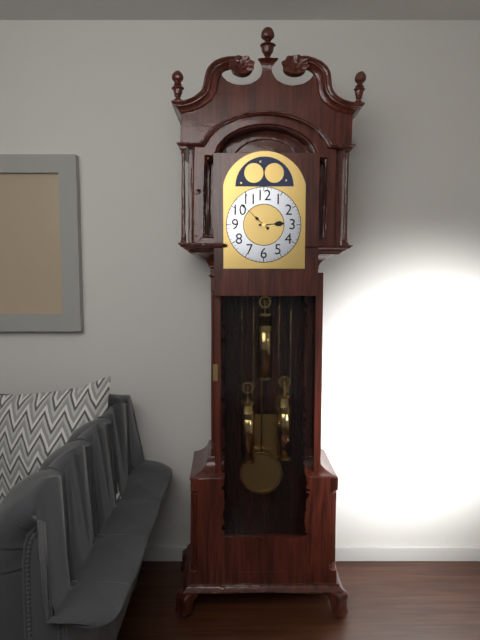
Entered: {"hour": 2, "minute": 52}
